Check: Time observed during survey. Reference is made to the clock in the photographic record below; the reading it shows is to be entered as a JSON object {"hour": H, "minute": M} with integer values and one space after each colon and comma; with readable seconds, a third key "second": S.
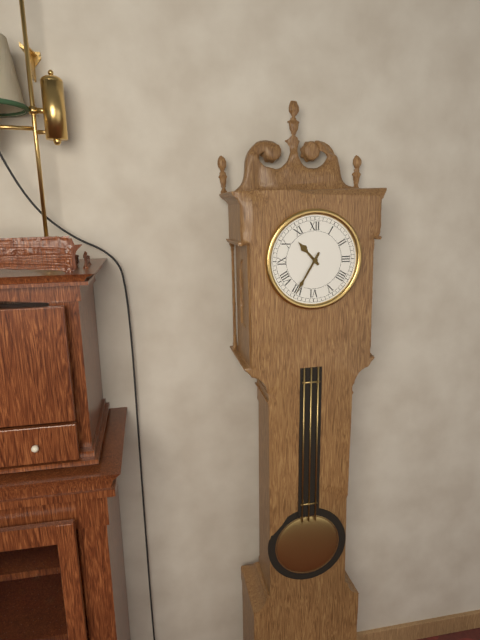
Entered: {"hour": 10, "minute": 35}
